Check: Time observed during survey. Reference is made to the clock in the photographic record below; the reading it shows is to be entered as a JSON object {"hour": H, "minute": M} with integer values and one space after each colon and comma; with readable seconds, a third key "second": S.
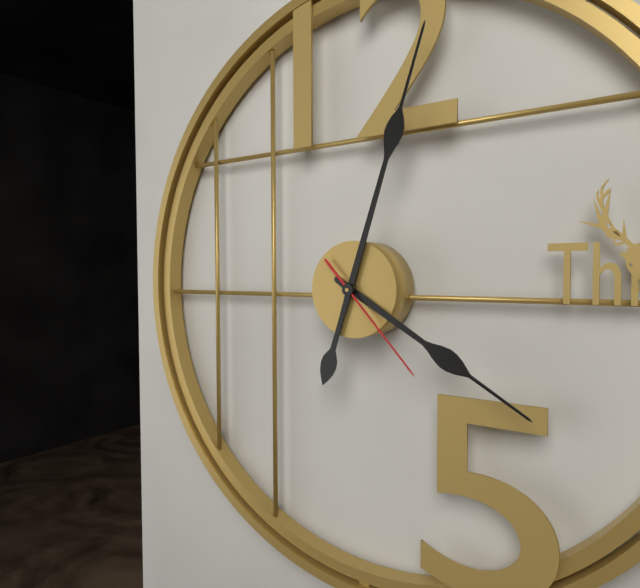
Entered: {"hour": 4, "minute": 3, "second": 23}
